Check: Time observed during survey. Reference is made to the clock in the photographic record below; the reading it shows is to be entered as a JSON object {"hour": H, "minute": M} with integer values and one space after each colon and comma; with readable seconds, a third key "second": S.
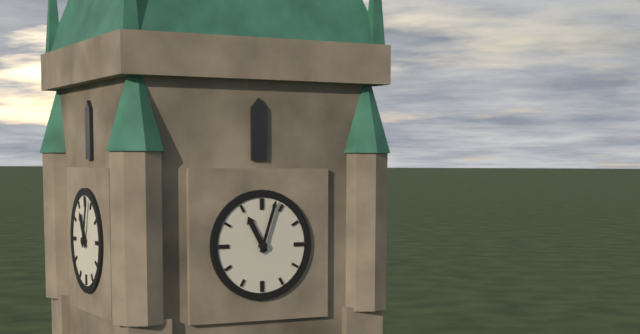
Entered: {"hour": 11, "minute": 3}
